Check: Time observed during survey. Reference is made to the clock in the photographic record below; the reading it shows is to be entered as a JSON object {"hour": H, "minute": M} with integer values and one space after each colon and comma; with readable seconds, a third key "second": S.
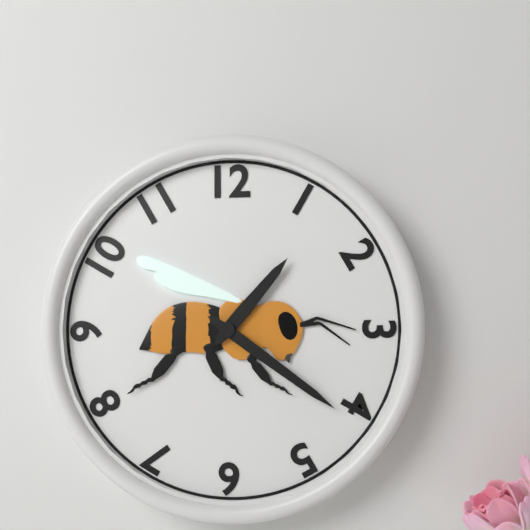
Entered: {"hour": 1, "minute": 21}
